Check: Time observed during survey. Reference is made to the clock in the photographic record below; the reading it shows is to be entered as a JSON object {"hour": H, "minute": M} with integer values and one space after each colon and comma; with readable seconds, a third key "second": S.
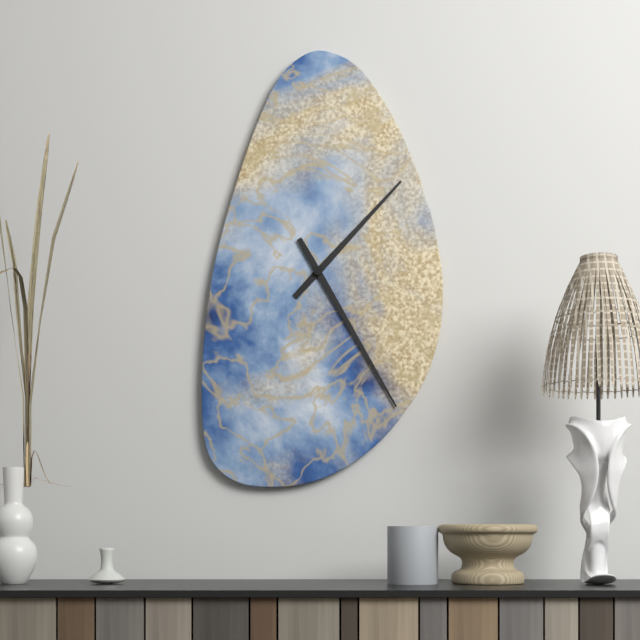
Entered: {"hour": 1, "minute": 25}
